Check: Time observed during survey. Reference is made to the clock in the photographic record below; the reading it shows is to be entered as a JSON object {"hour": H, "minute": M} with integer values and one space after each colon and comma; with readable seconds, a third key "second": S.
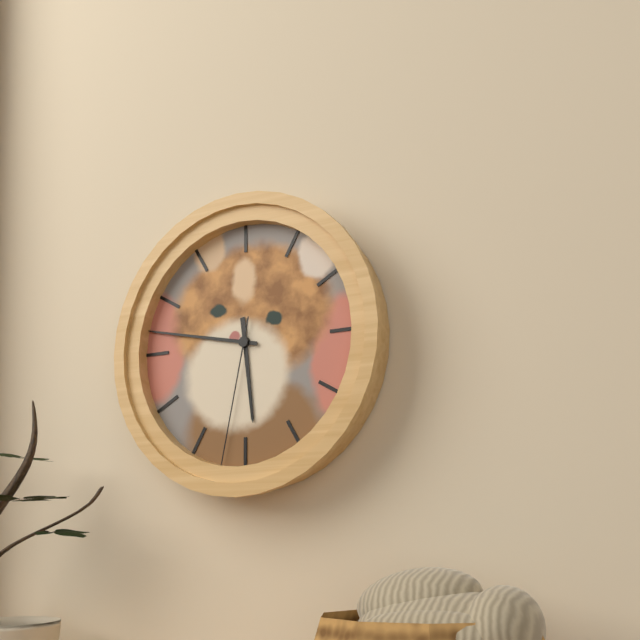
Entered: {"hour": 5, "minute": 47, "second": 32}
